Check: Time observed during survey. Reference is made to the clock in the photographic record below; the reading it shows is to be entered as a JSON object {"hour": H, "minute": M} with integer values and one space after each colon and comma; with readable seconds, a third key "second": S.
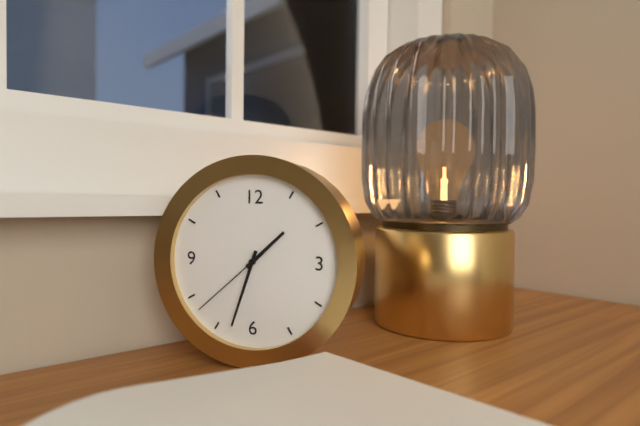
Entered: {"hour": 1, "minute": 33, "second": 38}
